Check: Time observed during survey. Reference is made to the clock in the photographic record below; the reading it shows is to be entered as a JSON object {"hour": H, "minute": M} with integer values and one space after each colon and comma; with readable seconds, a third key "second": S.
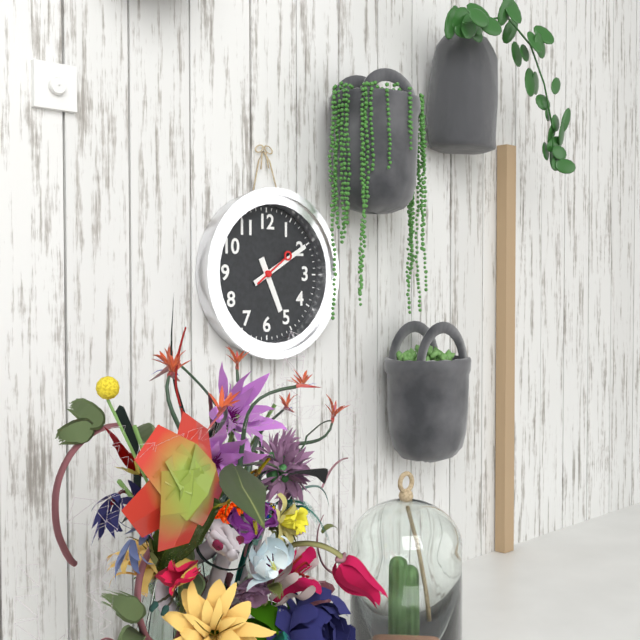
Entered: {"hour": 5, "minute": 10}
